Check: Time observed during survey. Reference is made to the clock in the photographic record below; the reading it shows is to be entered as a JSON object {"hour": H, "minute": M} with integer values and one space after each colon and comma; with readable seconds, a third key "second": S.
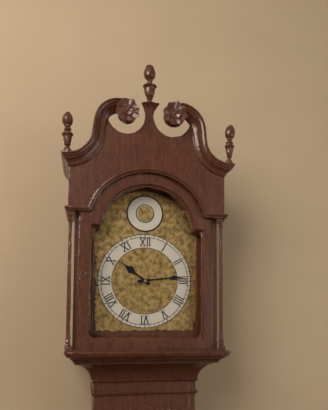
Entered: {"hour": 10, "minute": 14}
